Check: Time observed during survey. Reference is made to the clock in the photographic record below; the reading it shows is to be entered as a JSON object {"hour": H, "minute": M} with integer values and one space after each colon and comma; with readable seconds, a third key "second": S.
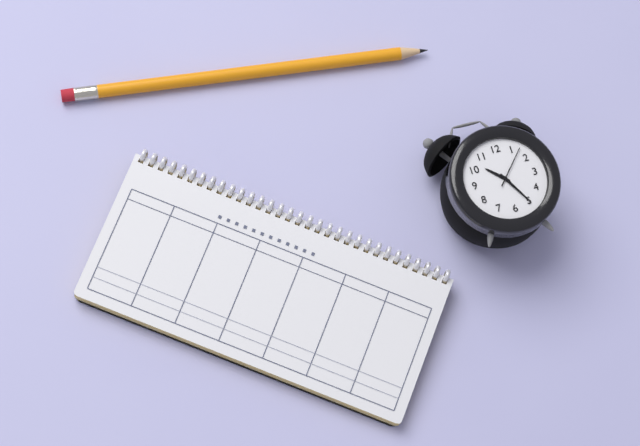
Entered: {"hour": 10, "minute": 25}
